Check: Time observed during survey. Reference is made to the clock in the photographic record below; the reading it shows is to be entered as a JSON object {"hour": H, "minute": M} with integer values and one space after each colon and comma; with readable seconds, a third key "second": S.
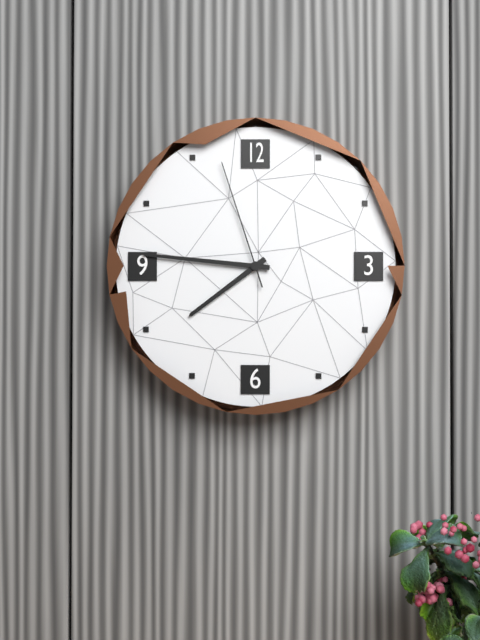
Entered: {"hour": 7, "minute": 46, "second": 57}
